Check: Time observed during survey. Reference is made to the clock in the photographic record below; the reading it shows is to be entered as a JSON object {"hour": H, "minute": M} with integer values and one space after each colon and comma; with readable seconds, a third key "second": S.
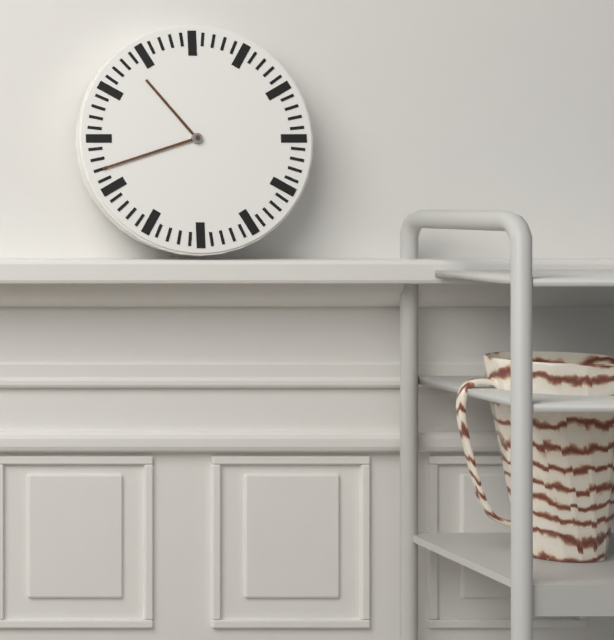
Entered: {"hour": 10, "minute": 42}
